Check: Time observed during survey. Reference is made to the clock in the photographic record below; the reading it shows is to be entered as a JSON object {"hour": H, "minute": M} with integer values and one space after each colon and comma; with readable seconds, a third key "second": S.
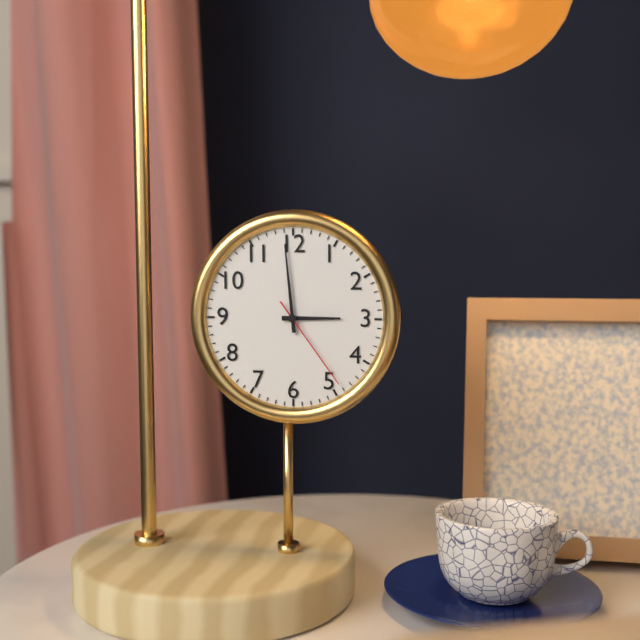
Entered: {"hour": 2, "minute": 59, "second": 24}
